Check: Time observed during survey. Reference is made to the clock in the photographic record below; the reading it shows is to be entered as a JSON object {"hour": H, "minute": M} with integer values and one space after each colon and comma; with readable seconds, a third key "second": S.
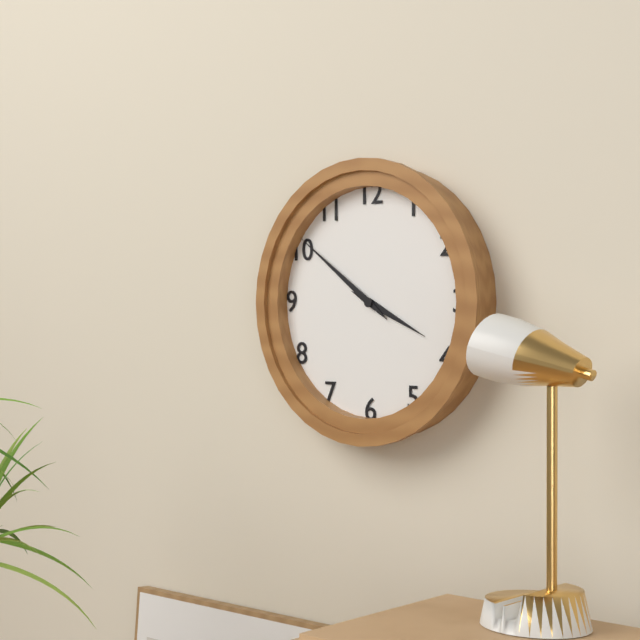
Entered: {"hour": 3, "minute": 51}
